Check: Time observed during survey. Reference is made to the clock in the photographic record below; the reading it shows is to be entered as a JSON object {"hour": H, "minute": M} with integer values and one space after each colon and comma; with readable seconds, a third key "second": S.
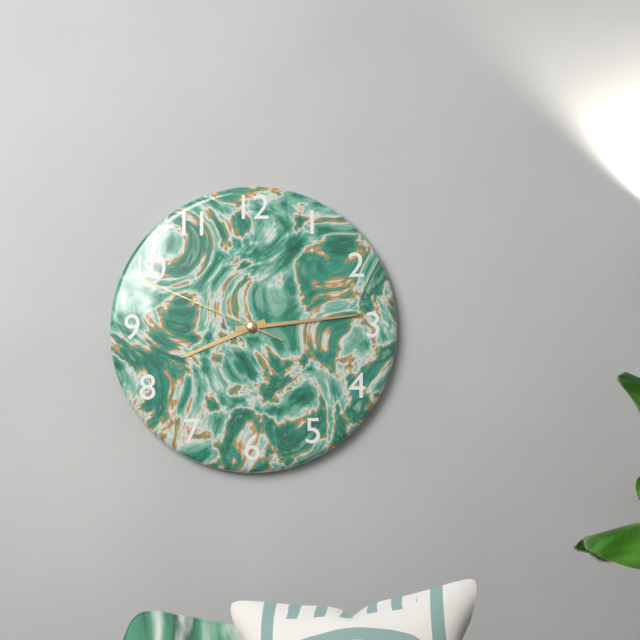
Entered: {"hour": 8, "minute": 14, "second": 49}
